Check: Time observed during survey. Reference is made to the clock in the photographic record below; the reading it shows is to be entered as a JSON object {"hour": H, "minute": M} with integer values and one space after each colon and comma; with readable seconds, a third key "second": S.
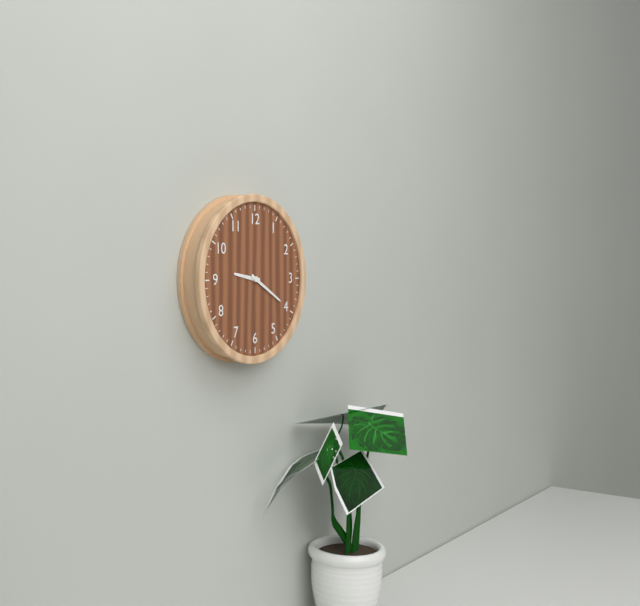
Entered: {"hour": 9, "minute": 20}
